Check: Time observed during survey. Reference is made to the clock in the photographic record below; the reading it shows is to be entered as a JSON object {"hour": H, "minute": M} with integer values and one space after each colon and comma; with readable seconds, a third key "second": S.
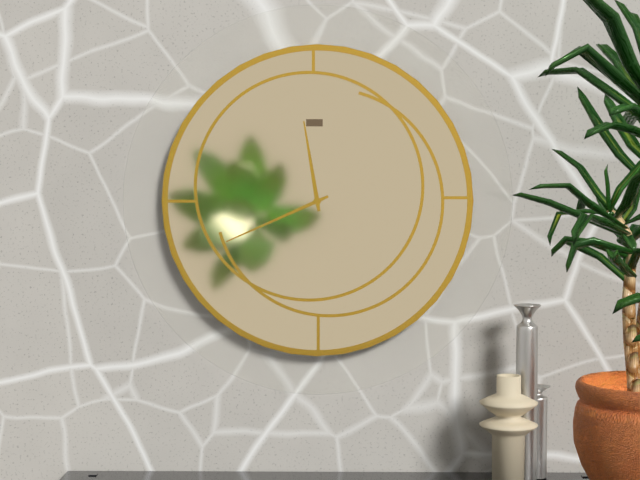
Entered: {"hour": 11, "minute": 41}
